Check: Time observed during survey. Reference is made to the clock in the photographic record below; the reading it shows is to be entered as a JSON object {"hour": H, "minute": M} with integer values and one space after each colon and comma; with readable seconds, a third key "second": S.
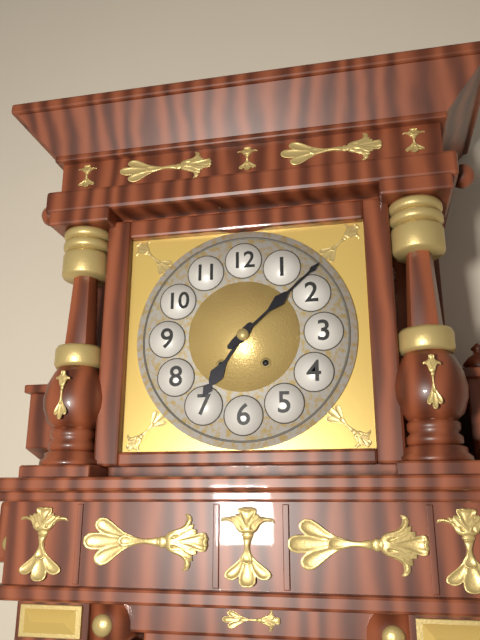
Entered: {"hour": 7, "minute": 8}
